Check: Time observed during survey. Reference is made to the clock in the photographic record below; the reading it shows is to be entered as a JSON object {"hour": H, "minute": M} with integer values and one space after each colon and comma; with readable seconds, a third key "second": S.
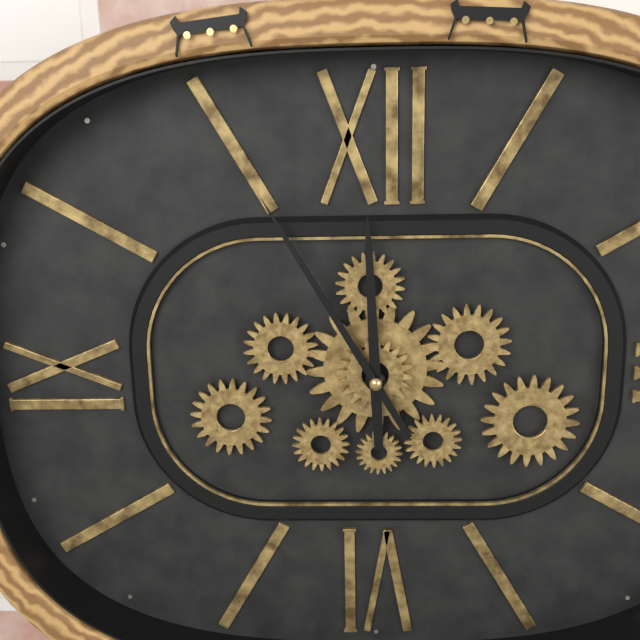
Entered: {"hour": 11, "minute": 55}
